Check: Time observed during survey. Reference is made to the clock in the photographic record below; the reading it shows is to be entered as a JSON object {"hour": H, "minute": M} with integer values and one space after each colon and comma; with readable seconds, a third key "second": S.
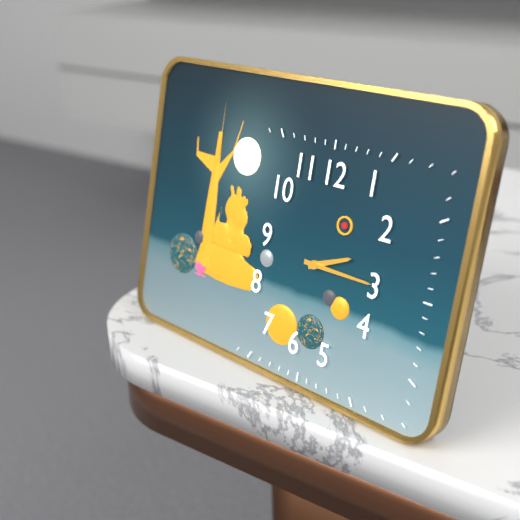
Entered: {"hour": 2, "minute": 15}
